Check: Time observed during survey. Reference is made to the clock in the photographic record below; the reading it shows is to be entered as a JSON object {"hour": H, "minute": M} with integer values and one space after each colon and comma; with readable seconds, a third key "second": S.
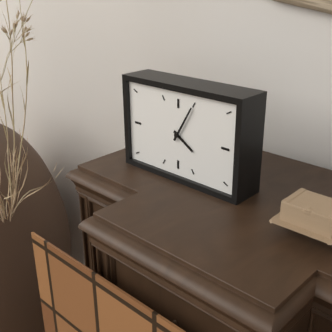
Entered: {"hour": 4, "minute": 5}
